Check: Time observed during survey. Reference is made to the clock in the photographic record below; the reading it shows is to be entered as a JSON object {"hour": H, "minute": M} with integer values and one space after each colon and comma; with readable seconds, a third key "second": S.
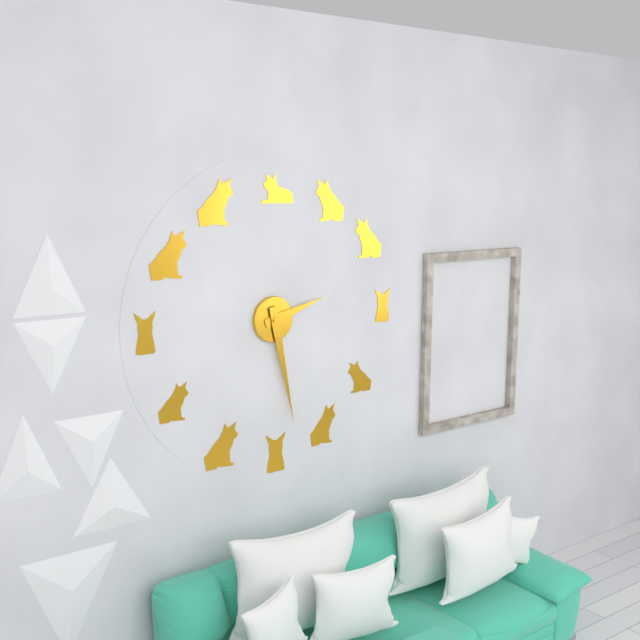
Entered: {"hour": 2, "minute": 28}
